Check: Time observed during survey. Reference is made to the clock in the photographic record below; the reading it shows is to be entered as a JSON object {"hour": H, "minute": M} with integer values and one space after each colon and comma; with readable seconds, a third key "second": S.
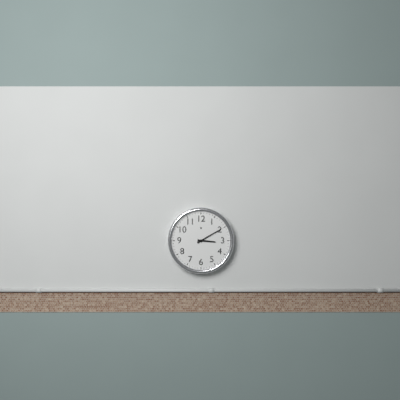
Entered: {"hour": 3, "minute": 10}
